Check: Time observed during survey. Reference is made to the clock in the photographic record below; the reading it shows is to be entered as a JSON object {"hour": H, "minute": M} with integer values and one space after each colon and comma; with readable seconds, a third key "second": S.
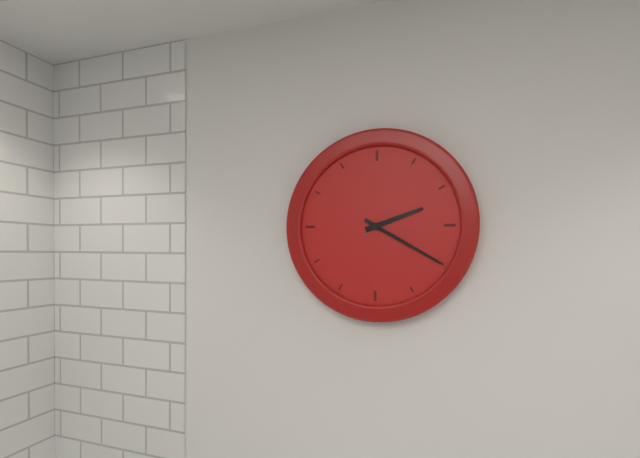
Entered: {"hour": 2, "minute": 20}
